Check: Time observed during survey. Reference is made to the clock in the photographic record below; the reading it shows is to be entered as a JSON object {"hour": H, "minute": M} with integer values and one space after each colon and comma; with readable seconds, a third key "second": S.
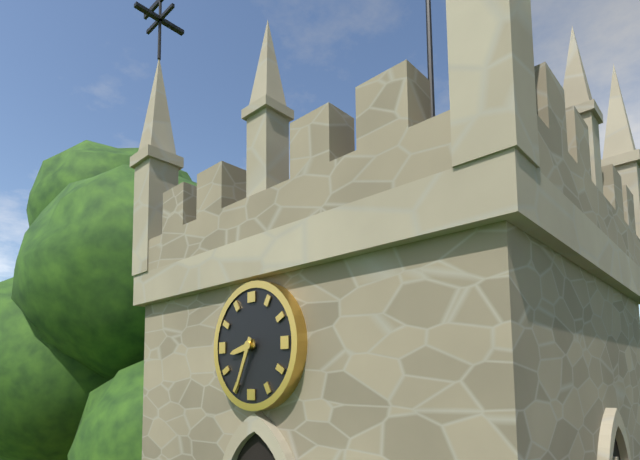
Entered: {"hour": 8, "minute": 34}
